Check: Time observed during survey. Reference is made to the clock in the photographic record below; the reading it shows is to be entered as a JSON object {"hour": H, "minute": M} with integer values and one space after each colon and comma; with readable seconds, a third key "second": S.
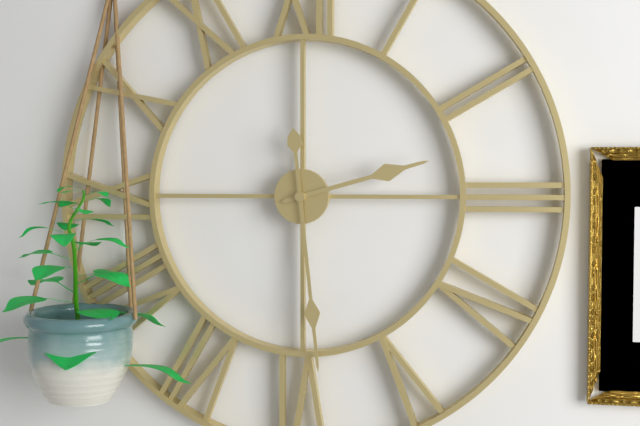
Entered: {"hour": 2, "minute": 29}
